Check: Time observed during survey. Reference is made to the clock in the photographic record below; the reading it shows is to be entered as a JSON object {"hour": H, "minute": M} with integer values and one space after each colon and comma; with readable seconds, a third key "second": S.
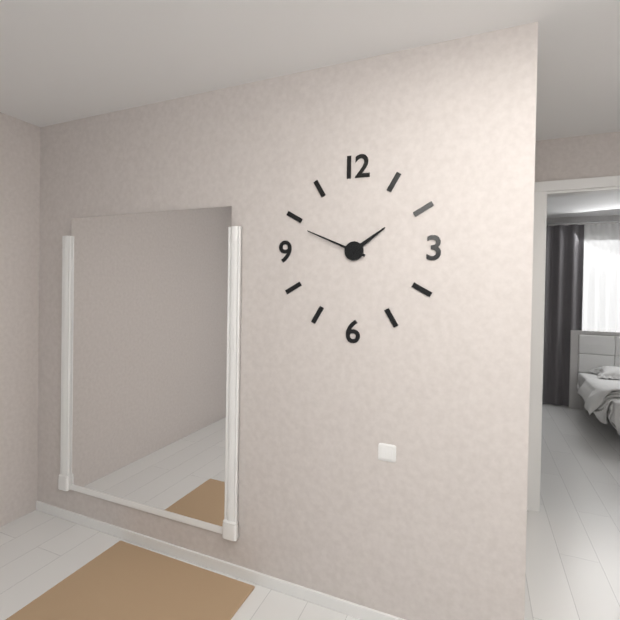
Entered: {"hour": 1, "minute": 49}
